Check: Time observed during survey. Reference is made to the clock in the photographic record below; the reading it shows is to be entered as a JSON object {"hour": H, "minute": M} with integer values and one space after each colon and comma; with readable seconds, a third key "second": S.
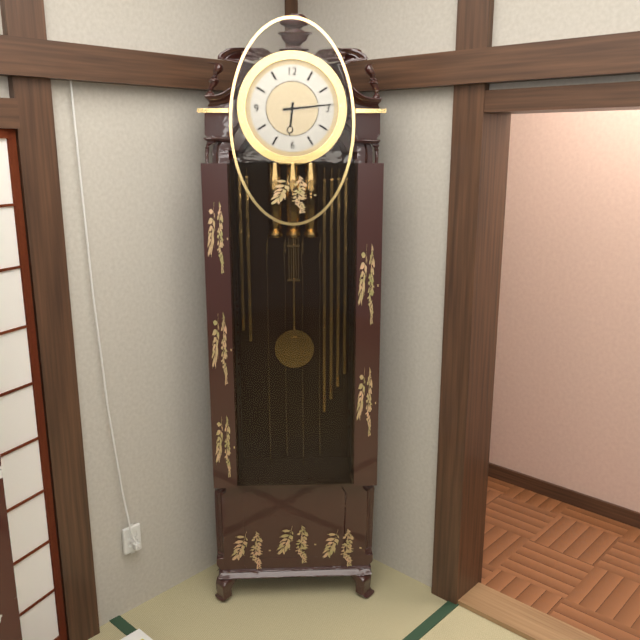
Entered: {"hour": 6, "minute": 14}
